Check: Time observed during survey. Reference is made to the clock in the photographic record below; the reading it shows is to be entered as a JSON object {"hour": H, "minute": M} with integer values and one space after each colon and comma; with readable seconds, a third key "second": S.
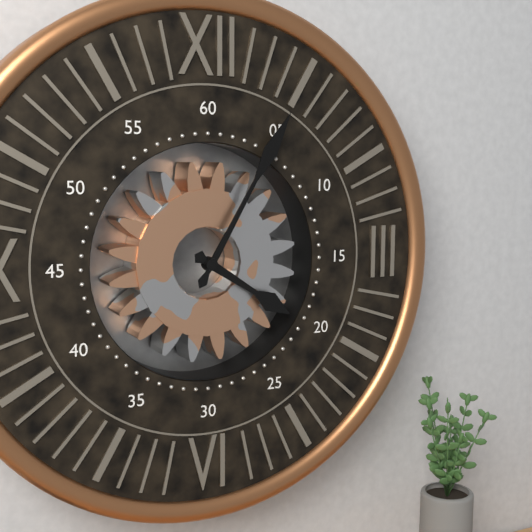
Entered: {"hour": 4, "minute": 5}
